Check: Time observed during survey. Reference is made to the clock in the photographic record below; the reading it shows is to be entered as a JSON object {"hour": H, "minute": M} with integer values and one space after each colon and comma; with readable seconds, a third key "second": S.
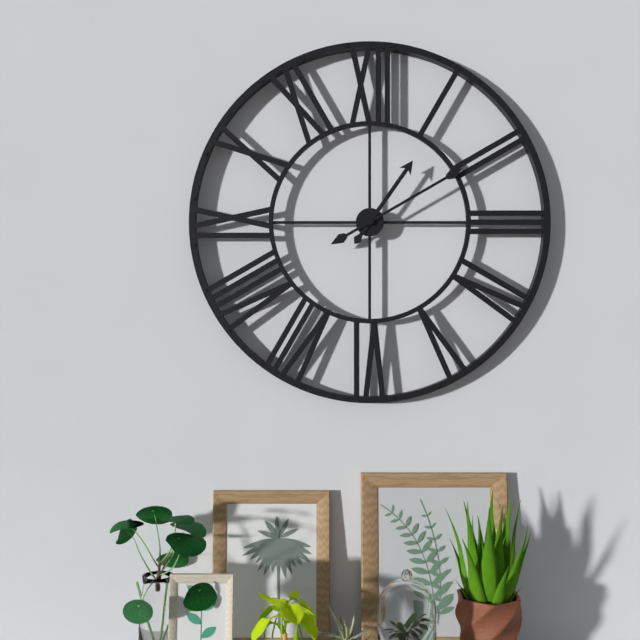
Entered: {"hour": 1, "minute": 10}
